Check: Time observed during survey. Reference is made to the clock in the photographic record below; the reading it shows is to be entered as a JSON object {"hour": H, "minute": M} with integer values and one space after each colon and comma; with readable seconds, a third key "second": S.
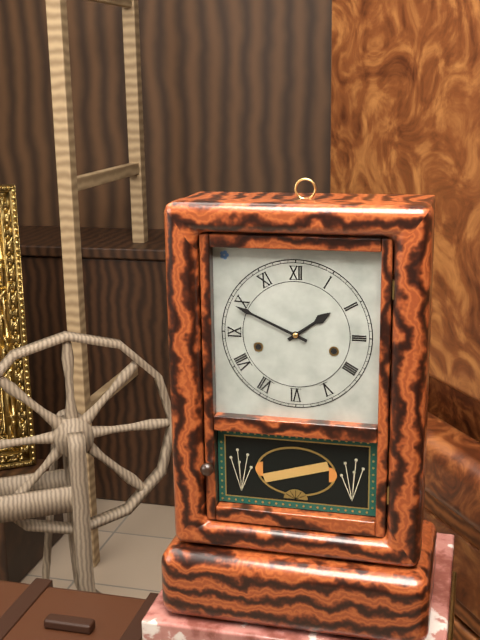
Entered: {"hour": 1, "minute": 49}
